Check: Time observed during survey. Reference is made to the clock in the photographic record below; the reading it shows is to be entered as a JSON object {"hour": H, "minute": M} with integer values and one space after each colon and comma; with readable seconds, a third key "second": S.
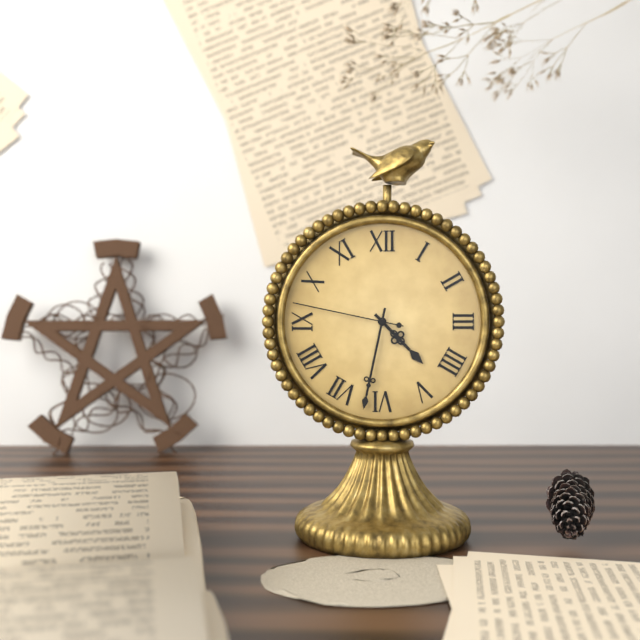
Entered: {"hour": 4, "minute": 32, "second": 47}
